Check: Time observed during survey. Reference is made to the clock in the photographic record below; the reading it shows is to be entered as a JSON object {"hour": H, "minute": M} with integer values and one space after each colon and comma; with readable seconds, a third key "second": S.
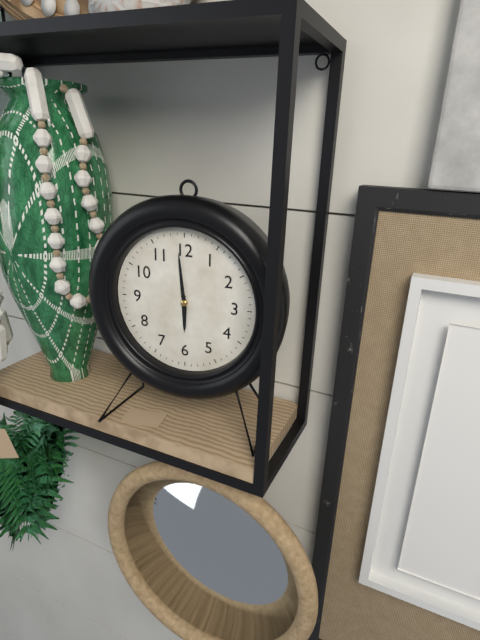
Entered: {"hour": 5, "minute": 59}
